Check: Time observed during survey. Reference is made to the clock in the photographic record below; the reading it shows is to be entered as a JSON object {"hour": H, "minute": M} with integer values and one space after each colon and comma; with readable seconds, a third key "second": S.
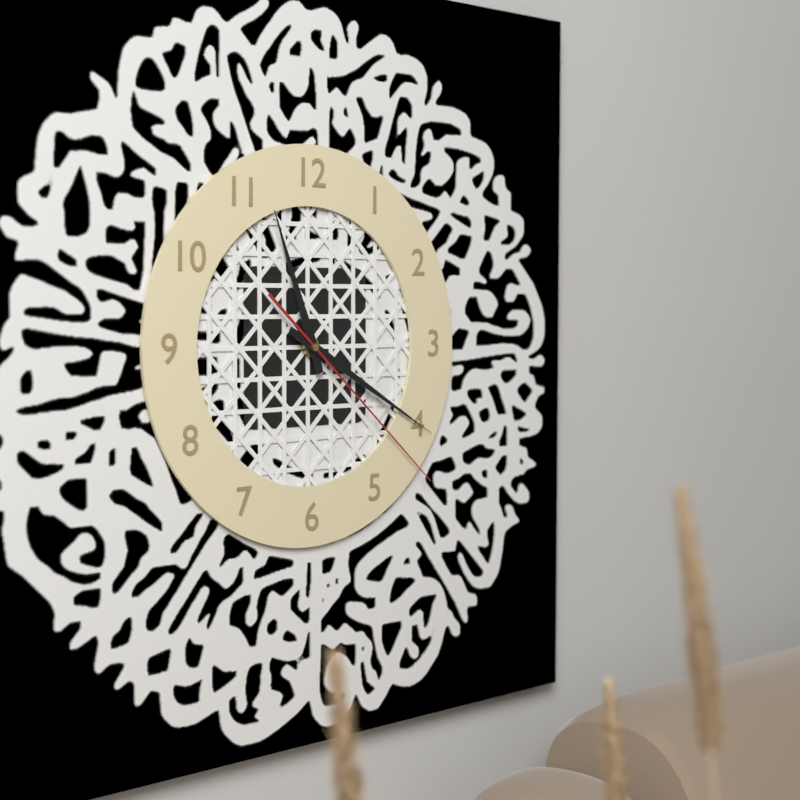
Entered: {"hour": 11, "minute": 20, "second": 22}
